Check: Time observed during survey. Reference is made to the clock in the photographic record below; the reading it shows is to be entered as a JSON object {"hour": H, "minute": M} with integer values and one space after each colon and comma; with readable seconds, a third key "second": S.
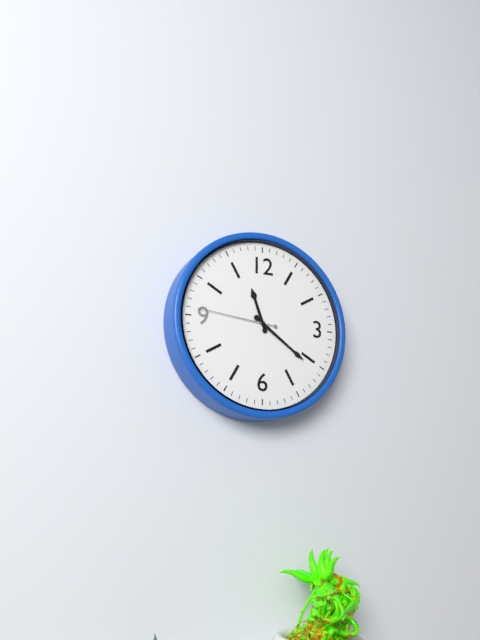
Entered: {"hour": 11, "minute": 21, "second": 46}
